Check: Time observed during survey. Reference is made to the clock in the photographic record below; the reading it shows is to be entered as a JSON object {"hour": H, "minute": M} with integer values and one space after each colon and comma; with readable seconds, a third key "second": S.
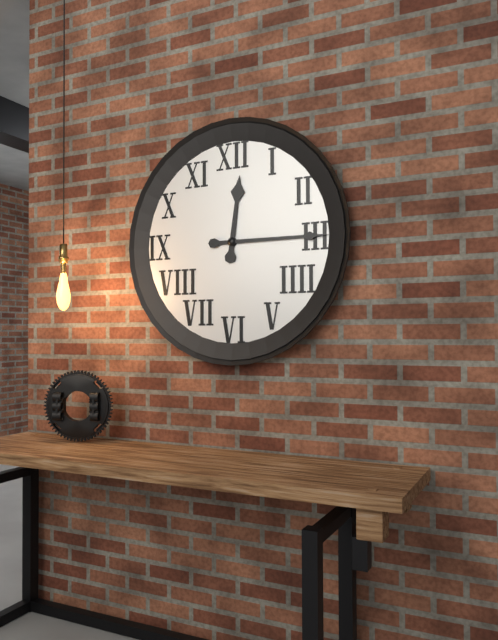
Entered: {"hour": 12, "minute": 15}
